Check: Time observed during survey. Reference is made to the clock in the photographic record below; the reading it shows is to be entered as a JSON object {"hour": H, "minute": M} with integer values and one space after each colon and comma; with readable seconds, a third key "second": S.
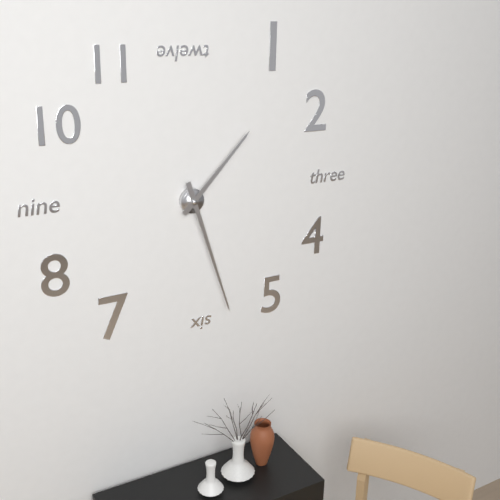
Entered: {"hour": 1, "minute": 27}
